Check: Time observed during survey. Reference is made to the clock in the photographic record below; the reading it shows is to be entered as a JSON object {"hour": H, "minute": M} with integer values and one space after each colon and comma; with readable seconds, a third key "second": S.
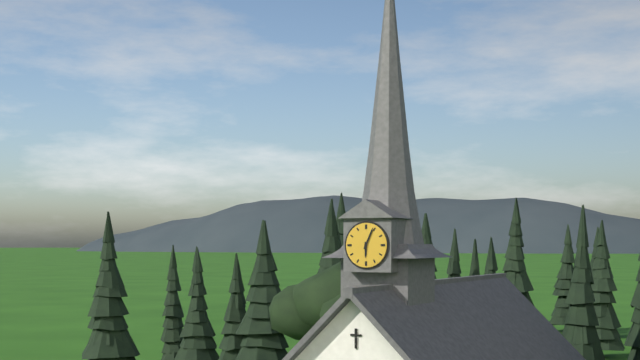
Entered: {"hour": 6, "minute": 4}
